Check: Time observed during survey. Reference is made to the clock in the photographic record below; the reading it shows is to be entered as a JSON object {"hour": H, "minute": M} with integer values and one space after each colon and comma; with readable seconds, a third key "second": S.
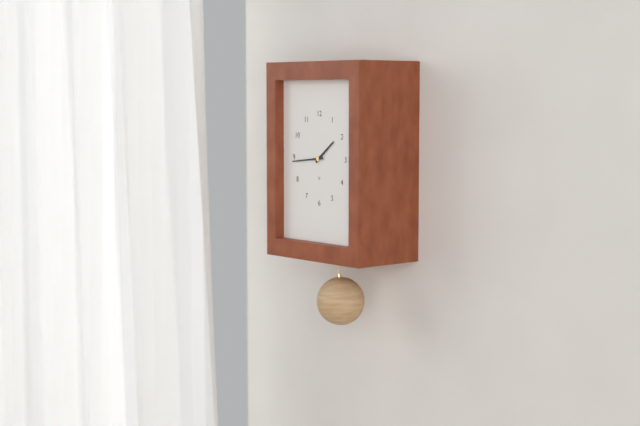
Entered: {"hour": 1, "minute": 44}
